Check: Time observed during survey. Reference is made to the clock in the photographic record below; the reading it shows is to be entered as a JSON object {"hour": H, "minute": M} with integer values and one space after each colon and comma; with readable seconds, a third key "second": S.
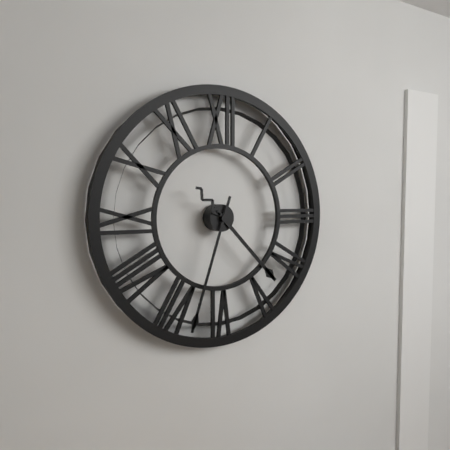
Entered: {"hour": 4, "minute": 33}
